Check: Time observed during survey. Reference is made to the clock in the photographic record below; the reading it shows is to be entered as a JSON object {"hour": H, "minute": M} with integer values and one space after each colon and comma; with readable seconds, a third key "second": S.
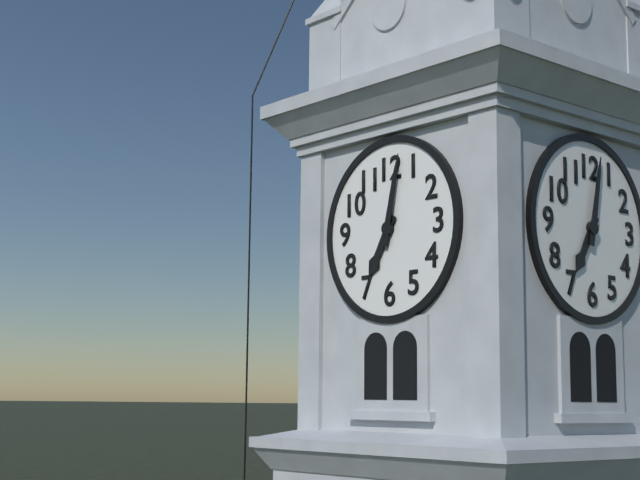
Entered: {"hour": 7, "minute": 2}
